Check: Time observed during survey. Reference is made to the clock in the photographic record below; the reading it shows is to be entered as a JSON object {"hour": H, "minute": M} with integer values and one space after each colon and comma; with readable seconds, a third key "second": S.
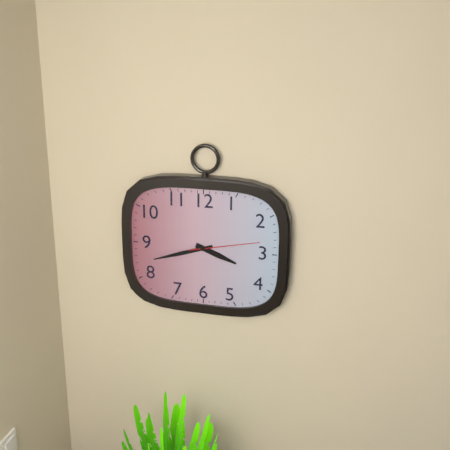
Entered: {"hour": 3, "minute": 42, "second": 13}
